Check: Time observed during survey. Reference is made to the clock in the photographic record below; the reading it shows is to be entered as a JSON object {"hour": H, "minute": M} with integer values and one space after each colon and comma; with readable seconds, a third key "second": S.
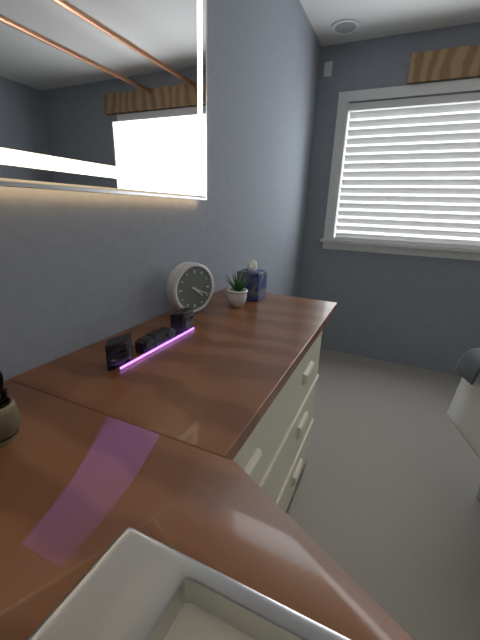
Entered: {"hour": 4, "minute": 19}
